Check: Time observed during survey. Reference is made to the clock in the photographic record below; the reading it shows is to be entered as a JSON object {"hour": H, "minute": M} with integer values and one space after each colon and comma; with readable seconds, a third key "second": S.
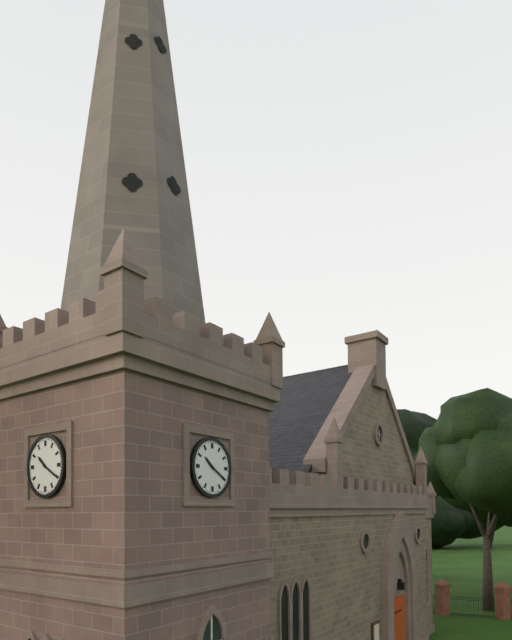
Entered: {"hour": 10, "minute": 20}
